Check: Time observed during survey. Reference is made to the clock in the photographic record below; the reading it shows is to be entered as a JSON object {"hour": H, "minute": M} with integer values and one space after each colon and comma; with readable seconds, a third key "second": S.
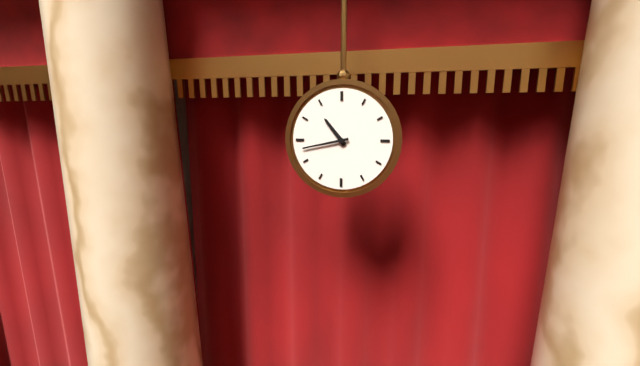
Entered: {"hour": 10, "minute": 43}
